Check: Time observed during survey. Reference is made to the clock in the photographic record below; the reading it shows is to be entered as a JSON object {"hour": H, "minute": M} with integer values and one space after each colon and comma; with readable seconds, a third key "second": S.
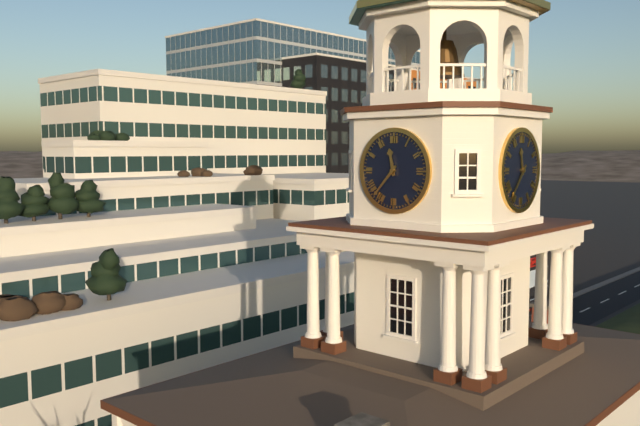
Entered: {"hour": 11, "minute": 37}
